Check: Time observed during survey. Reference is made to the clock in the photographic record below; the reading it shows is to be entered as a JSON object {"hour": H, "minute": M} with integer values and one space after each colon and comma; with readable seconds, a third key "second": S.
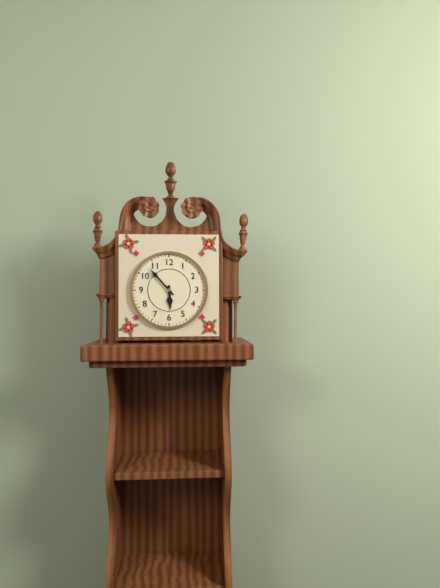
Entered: {"hour": 5, "minute": 53}
